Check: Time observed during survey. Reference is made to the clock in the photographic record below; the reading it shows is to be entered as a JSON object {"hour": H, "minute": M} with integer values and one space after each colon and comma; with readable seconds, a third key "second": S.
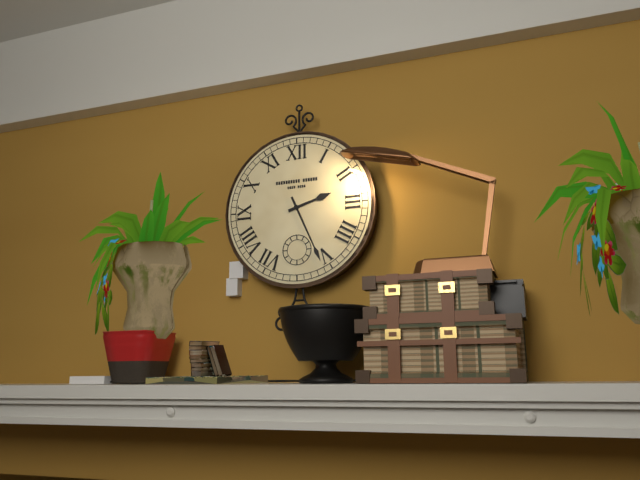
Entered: {"hour": 2, "minute": 26}
